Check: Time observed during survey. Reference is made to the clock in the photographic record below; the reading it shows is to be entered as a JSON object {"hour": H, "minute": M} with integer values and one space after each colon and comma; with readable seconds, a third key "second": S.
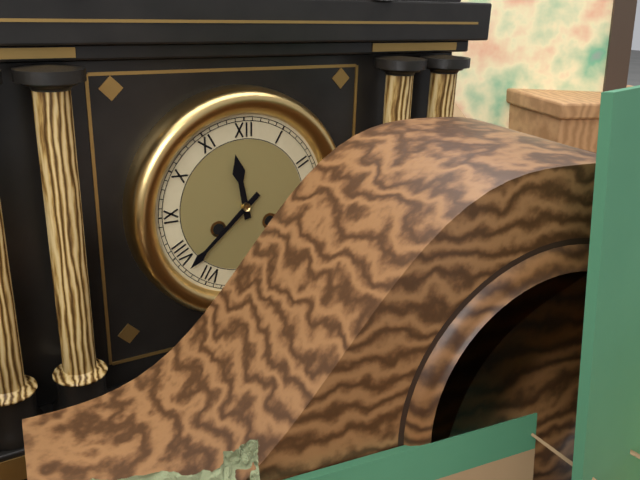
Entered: {"hour": 11, "minute": 38}
